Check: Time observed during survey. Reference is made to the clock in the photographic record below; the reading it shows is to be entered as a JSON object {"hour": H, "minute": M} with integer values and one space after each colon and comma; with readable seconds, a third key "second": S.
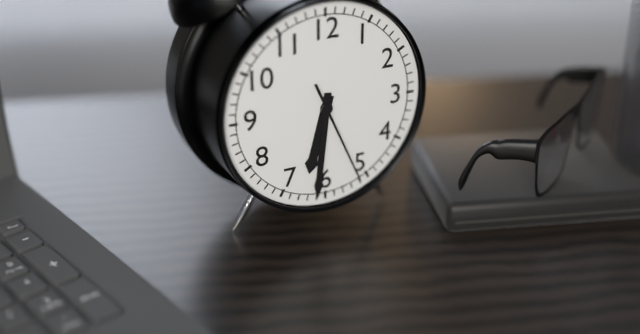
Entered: {"hour": 6, "minute": 31, "second": 26}
